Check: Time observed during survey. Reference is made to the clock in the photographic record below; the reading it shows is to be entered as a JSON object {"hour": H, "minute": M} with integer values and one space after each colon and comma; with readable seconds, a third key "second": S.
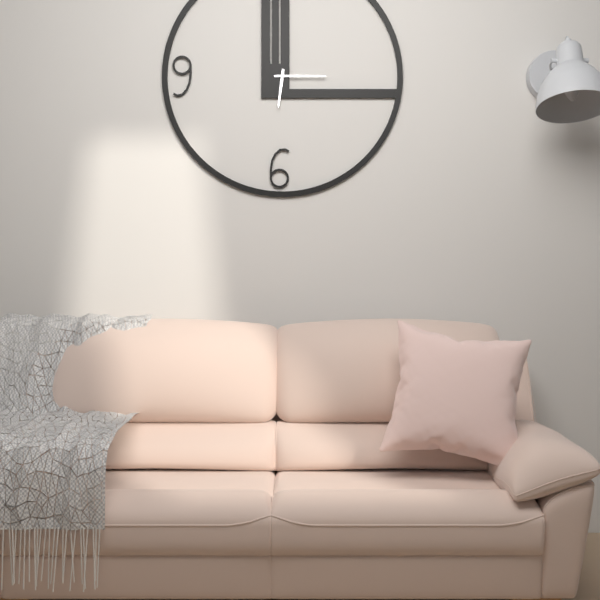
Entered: {"hour": 6, "minute": 15}
